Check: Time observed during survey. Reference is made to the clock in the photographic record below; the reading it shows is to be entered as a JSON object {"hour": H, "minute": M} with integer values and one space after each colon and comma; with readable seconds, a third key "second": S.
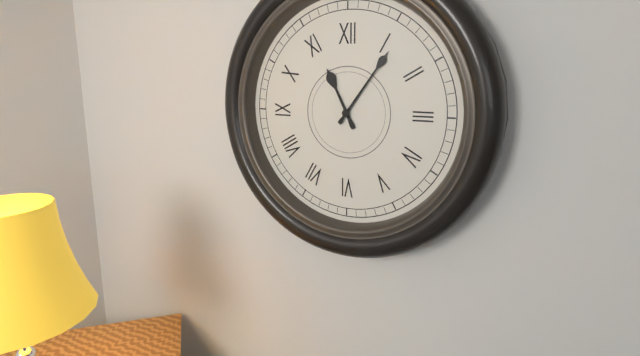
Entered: {"hour": 11, "minute": 6}
